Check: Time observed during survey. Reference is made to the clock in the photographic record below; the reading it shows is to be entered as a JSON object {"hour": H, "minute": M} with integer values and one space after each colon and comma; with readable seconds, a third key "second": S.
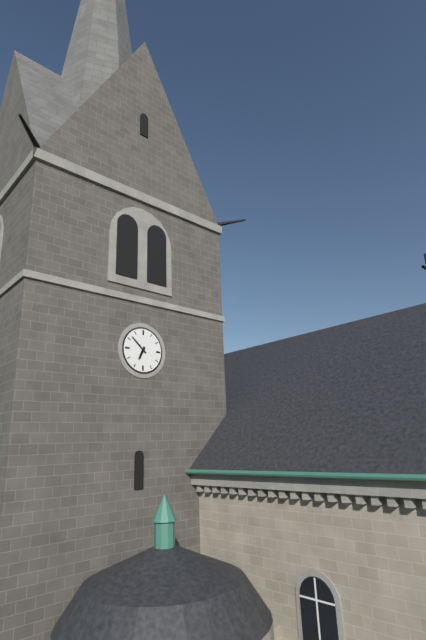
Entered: {"hour": 6, "minute": 52}
